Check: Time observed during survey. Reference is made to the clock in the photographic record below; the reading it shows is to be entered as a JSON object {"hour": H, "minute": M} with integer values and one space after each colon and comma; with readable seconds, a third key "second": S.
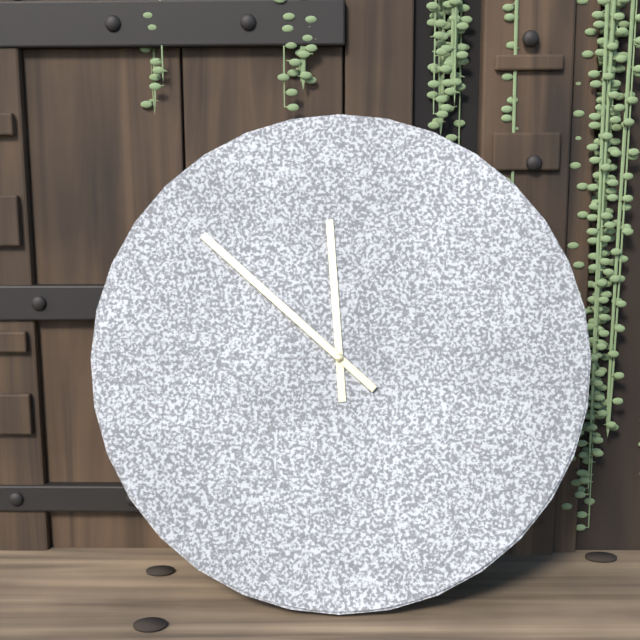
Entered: {"hour": 11, "minute": 52}
